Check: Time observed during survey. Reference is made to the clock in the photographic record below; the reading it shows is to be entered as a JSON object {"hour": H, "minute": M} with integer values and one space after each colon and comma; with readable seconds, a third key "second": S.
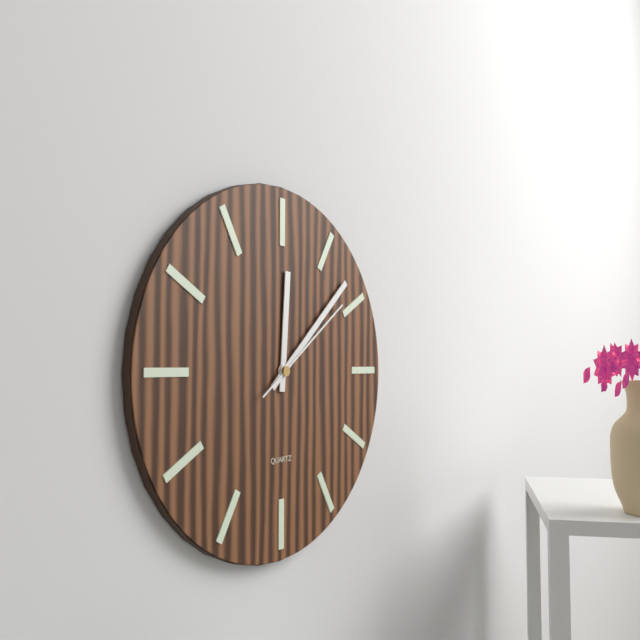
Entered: {"hour": 12, "minute": 8, "second": 9}
